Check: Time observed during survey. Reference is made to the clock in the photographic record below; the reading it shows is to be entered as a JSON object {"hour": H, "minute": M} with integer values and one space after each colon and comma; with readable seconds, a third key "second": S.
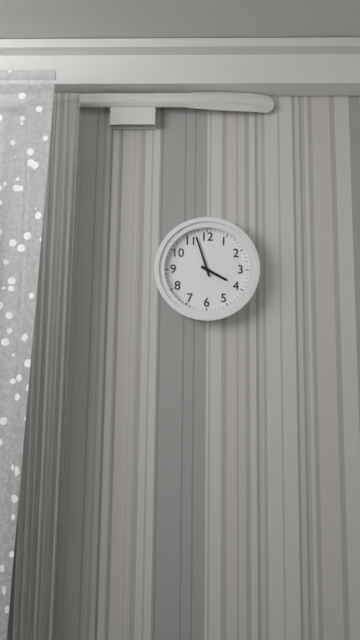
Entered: {"hour": 3, "minute": 57}
